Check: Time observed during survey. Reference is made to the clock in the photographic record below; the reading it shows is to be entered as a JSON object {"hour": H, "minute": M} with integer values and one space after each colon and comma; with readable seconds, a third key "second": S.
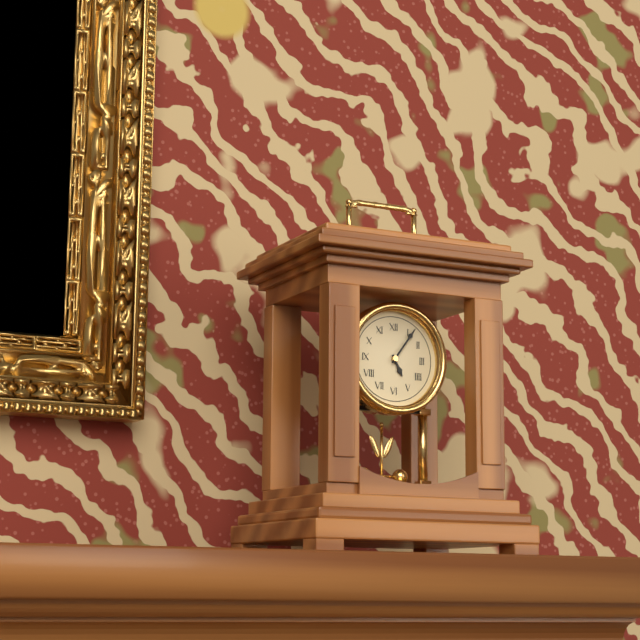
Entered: {"hour": 5, "minute": 6}
